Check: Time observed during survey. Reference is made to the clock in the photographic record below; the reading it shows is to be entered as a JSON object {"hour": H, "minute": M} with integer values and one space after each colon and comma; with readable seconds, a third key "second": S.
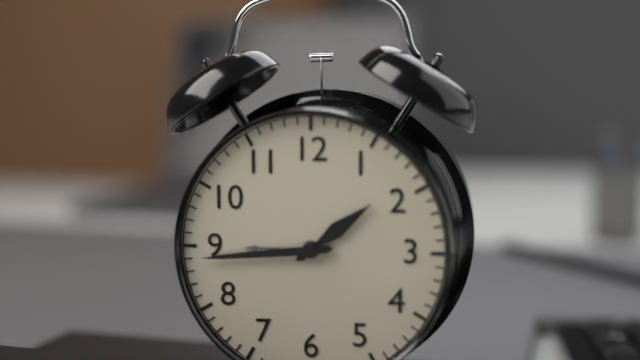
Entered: {"hour": 1, "minute": 44}
